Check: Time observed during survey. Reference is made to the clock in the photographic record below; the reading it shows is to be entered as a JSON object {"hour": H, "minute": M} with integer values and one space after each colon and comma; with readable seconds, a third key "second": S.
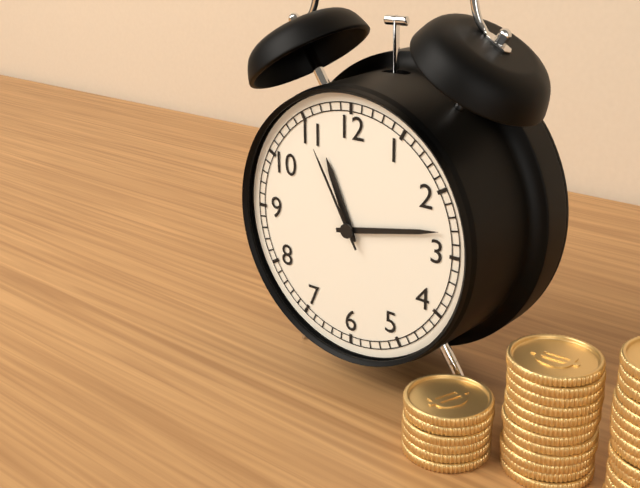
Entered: {"hour": 11, "minute": 13, "second": 55}
